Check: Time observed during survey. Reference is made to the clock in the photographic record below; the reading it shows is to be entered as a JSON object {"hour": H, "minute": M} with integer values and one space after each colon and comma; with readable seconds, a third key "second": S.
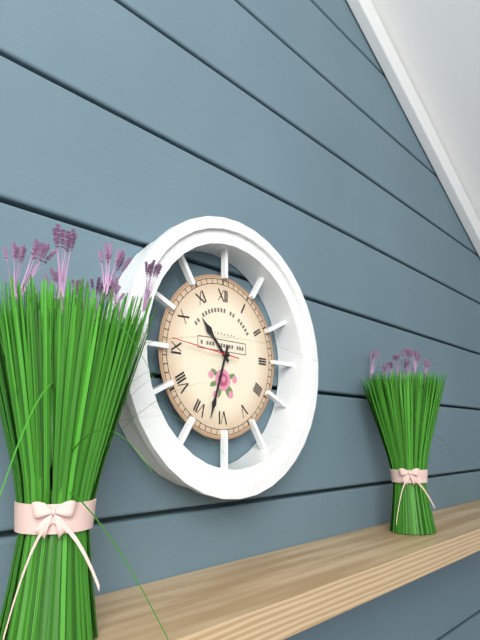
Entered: {"hour": 10, "minute": 33, "second": 46}
